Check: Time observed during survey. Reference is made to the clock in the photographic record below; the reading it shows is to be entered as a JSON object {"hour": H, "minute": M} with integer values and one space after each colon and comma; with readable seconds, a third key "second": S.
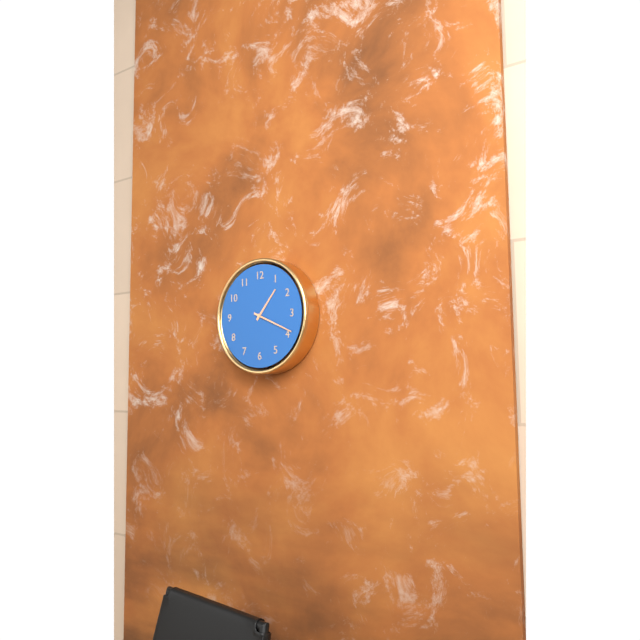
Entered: {"hour": 1, "minute": 19}
